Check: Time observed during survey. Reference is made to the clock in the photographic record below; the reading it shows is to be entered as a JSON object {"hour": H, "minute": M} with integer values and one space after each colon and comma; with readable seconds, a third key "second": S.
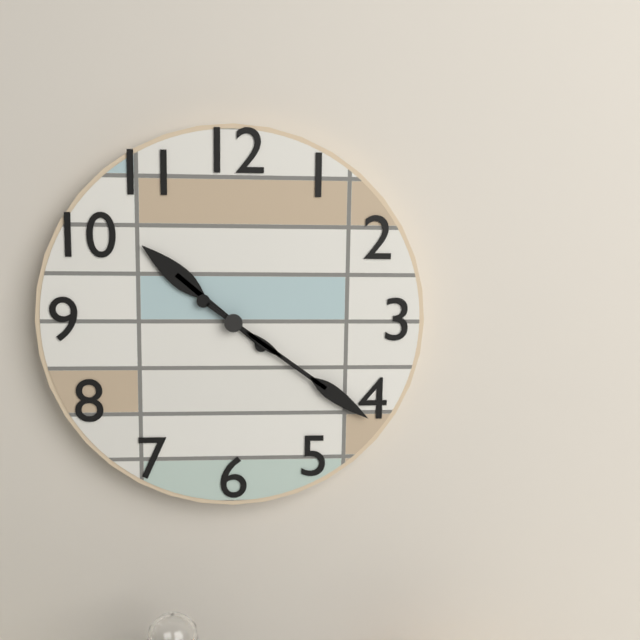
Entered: {"hour": 10, "minute": 21}
